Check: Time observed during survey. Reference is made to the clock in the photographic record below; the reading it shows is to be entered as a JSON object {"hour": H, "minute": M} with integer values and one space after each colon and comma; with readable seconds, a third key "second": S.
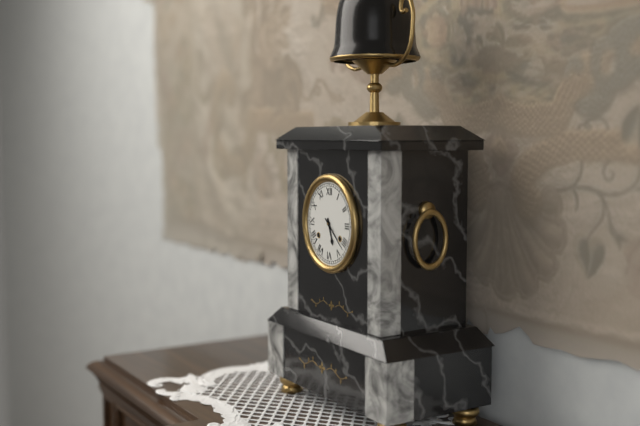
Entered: {"hour": 5, "minute": 22}
